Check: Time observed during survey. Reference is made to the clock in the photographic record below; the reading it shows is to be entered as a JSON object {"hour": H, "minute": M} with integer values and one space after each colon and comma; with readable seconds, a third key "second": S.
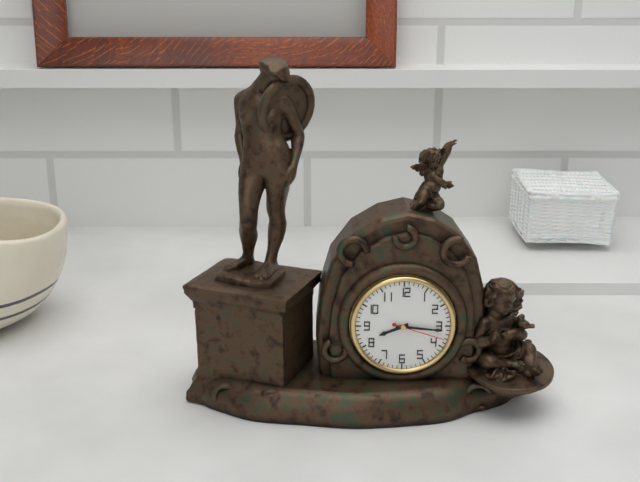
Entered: {"hour": 8, "minute": 16, "second": 18}
